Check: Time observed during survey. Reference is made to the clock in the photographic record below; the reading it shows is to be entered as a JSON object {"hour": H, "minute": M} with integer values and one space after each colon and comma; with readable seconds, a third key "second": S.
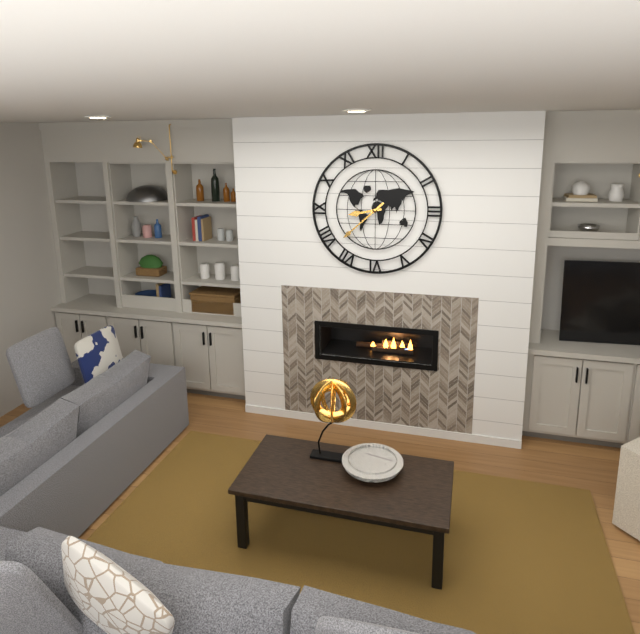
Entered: {"hour": 8, "minute": 38}
